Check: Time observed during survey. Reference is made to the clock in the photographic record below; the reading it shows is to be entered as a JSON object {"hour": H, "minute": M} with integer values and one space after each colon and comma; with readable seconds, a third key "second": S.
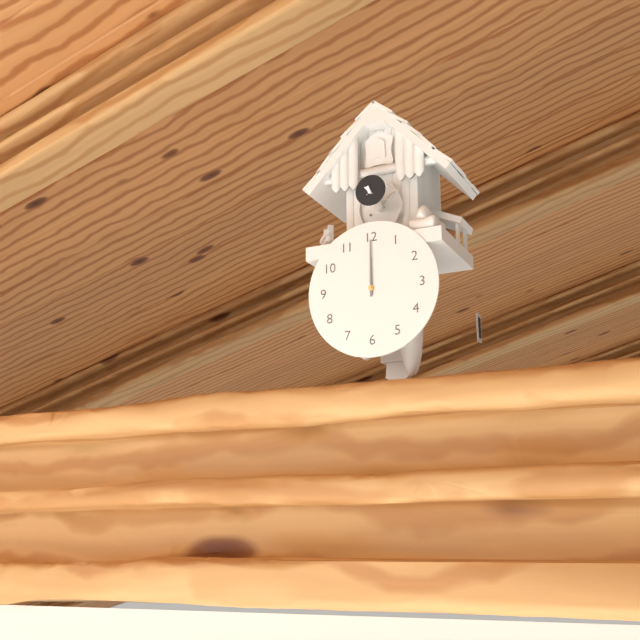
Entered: {"hour": 12, "minute": 0}
